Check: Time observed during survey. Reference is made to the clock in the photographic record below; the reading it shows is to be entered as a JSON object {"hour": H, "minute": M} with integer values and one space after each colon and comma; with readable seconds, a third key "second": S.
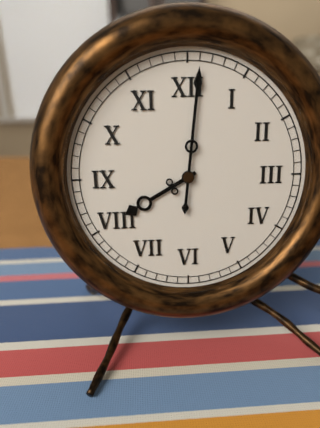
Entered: {"hour": 8, "minute": 1}
